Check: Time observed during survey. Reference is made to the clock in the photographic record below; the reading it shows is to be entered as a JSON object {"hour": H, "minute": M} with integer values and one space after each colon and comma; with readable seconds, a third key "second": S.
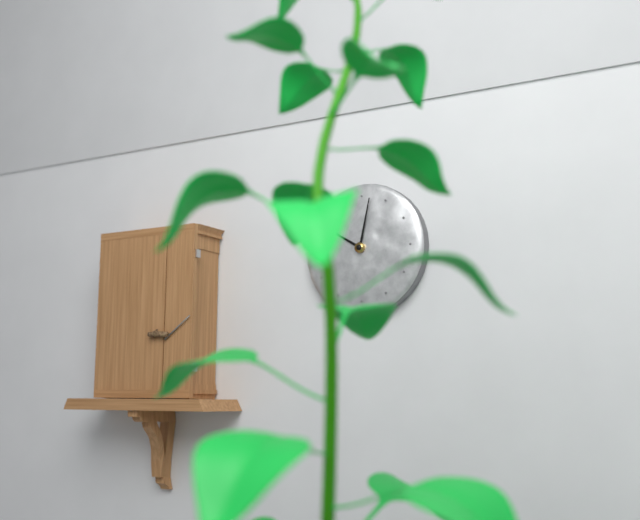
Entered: {"hour": 10, "minute": 2}
